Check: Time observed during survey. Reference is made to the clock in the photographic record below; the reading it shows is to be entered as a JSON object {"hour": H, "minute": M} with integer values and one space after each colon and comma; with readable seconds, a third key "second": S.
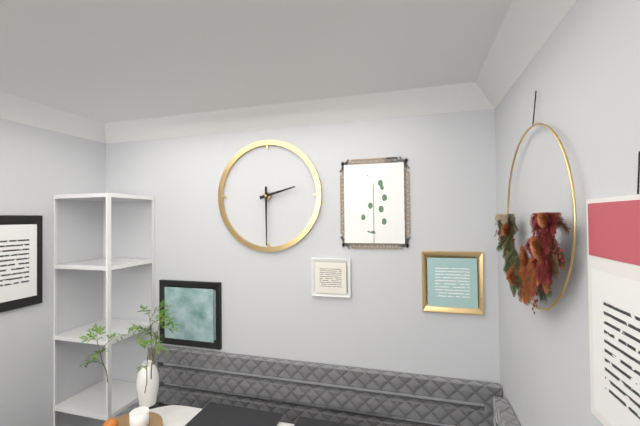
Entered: {"hour": 2, "minute": 30}
